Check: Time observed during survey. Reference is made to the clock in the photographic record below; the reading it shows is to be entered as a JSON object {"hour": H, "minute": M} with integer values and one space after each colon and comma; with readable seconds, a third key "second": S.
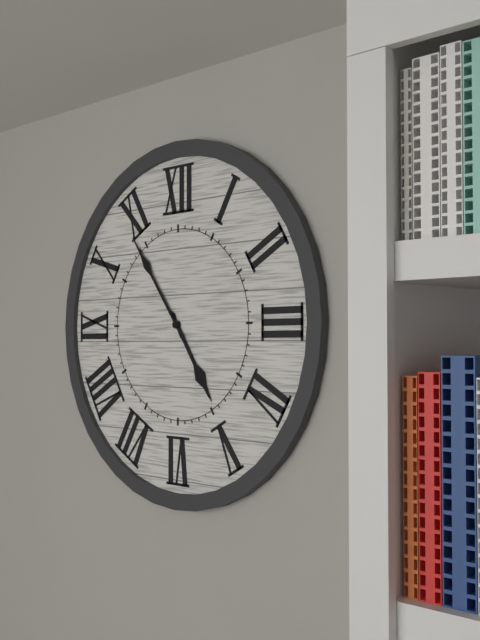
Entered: {"hour": 4, "minute": 54}
